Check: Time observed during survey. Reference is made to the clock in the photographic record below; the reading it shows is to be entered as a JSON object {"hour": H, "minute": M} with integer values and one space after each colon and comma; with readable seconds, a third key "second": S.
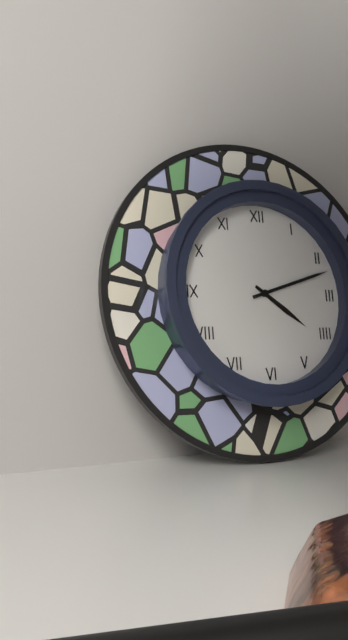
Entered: {"hour": 4, "minute": 12}
